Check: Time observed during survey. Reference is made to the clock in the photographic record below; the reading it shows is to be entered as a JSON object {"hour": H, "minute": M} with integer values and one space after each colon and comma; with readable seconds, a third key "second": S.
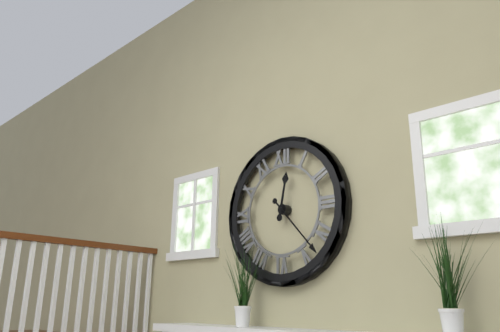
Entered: {"hour": 12, "minute": 23}
